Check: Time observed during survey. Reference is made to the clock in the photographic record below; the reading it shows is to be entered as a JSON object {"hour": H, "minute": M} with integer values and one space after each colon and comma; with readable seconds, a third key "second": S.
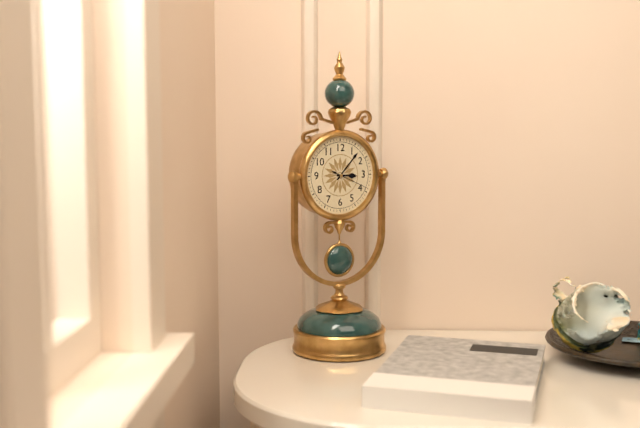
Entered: {"hour": 3, "minute": 7}
